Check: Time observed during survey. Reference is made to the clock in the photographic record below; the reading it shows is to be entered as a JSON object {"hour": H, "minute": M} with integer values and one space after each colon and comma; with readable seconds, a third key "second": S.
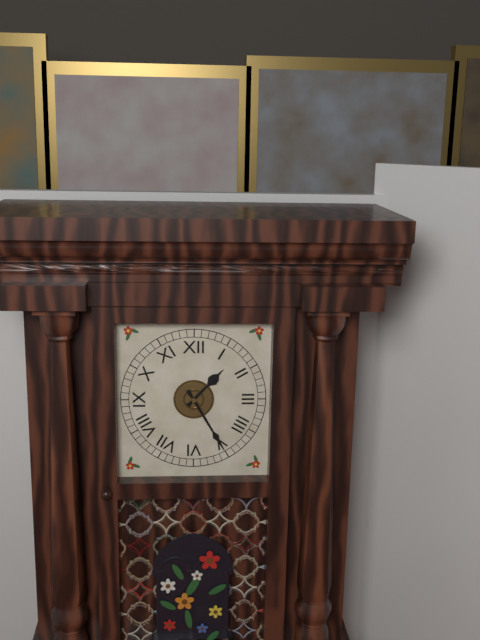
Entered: {"hour": 1, "minute": 25}
